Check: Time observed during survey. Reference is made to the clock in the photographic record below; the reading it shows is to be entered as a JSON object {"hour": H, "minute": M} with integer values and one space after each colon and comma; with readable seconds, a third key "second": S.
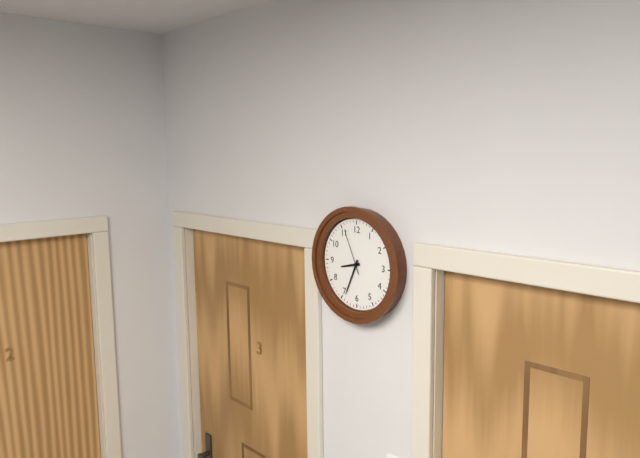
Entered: {"hour": 8, "minute": 34}
